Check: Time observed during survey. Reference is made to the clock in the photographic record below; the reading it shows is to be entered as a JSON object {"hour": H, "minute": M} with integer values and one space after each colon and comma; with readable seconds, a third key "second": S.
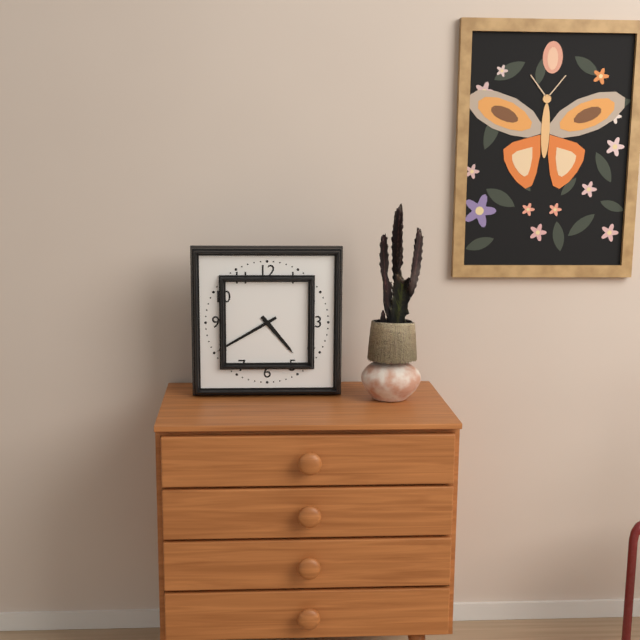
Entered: {"hour": 4, "minute": 40}
